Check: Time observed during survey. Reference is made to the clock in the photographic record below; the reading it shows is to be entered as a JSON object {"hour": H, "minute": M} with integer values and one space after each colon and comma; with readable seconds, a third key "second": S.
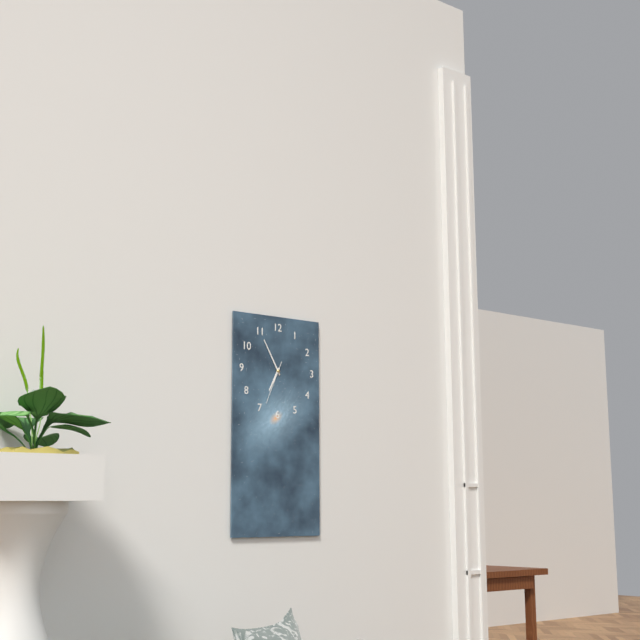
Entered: {"hour": 6, "minute": 55}
